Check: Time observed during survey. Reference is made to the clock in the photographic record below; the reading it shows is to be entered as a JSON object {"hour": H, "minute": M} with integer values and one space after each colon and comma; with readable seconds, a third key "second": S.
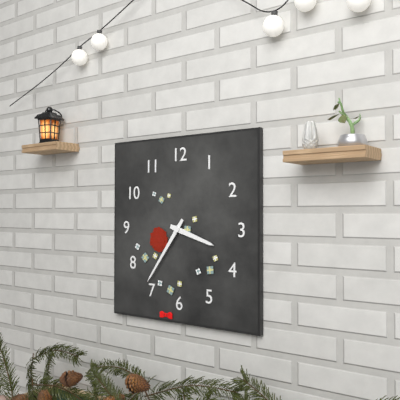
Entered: {"hour": 3, "minute": 36}
